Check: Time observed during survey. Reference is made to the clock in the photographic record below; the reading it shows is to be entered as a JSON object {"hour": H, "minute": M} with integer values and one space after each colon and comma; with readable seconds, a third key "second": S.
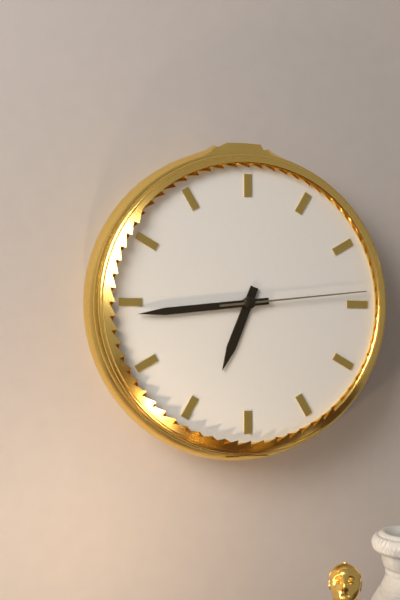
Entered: {"hour": 6, "minute": 44, "second": 14}
